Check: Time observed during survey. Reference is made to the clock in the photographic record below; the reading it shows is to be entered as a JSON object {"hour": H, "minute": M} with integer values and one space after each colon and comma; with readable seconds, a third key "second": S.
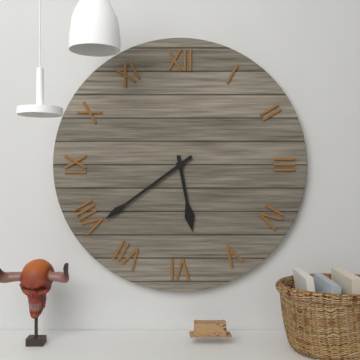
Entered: {"hour": 5, "minute": 39}
